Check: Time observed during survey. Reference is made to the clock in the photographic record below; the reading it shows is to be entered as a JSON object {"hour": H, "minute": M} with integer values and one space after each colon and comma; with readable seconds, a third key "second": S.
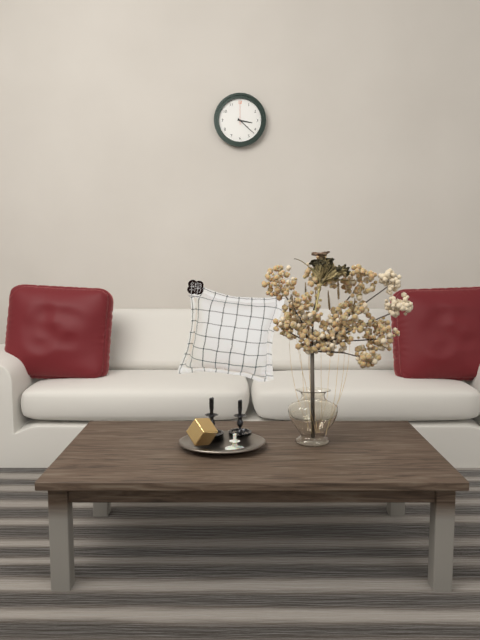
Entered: {"hour": 3, "minute": 22}
